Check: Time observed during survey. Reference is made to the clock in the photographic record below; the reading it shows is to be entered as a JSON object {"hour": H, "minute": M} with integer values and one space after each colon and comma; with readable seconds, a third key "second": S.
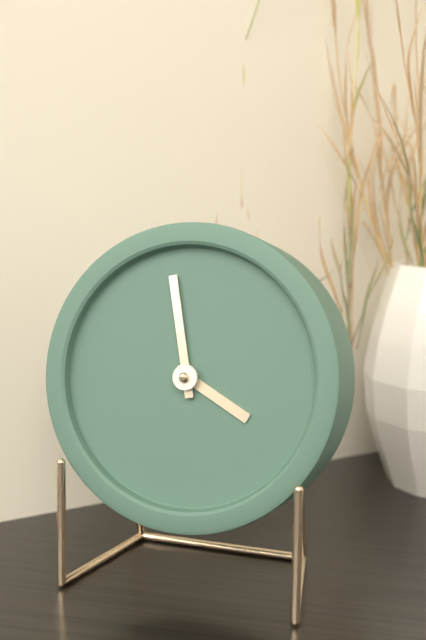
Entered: {"hour": 3, "minute": 58}
